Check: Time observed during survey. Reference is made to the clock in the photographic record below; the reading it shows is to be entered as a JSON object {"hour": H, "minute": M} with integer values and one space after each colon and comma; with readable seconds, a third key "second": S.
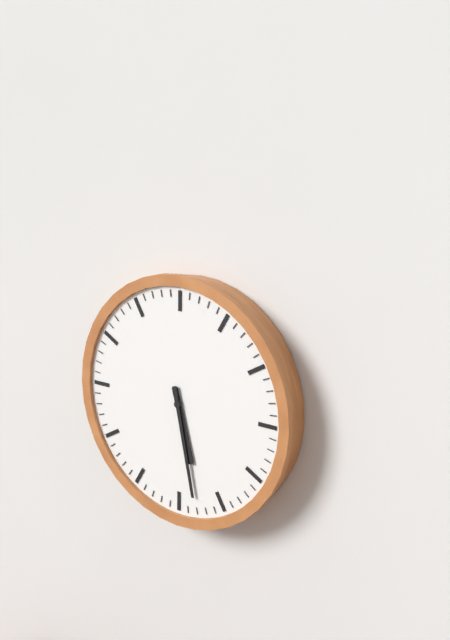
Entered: {"hour": 5, "minute": 28}
